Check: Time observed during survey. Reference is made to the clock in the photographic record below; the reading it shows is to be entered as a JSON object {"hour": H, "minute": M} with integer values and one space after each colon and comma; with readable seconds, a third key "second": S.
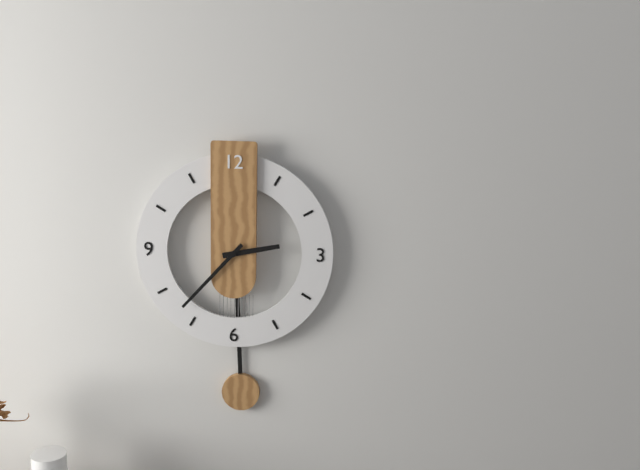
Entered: {"hour": 2, "minute": 37}
